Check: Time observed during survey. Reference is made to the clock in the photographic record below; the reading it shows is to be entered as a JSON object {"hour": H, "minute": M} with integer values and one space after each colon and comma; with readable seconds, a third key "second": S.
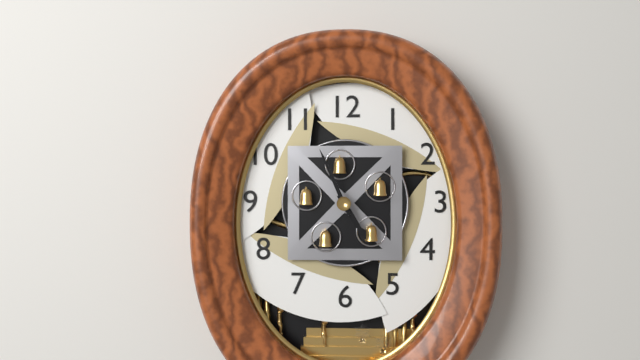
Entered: {"hour": 4, "minute": 56}
